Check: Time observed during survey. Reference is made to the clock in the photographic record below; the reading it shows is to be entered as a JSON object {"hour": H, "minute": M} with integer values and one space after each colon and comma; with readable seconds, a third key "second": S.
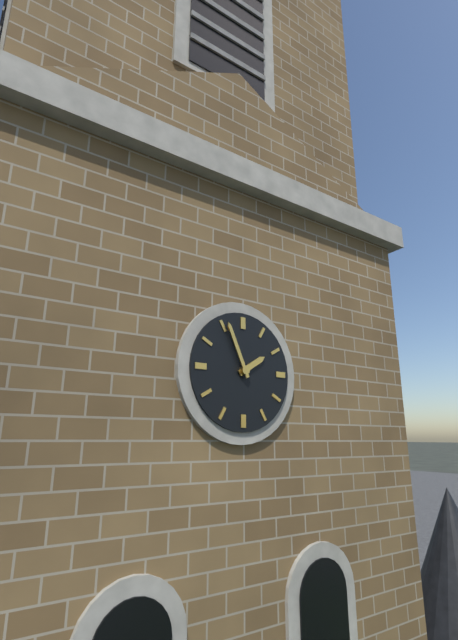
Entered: {"hour": 1, "minute": 56}
